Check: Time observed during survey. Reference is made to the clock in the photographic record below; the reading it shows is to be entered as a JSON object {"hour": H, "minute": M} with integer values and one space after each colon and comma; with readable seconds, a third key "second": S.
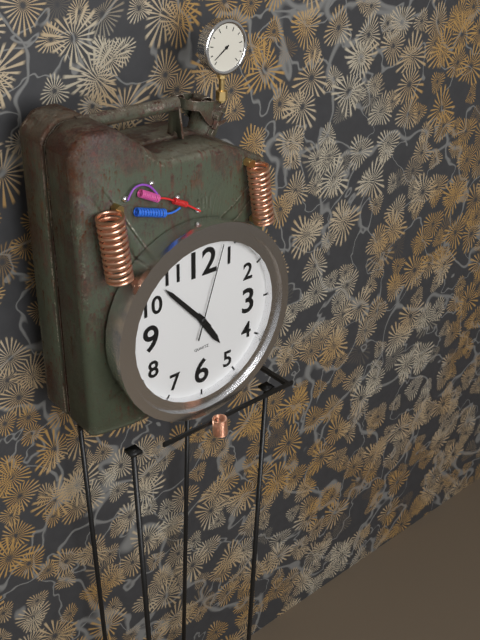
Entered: {"hour": 4, "minute": 53, "second": 3}
